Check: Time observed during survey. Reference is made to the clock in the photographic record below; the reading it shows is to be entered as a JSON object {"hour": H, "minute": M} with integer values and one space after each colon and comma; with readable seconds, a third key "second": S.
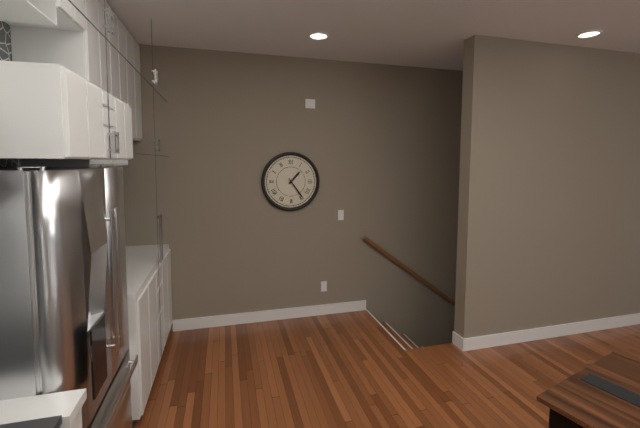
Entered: {"hour": 1, "minute": 24}
